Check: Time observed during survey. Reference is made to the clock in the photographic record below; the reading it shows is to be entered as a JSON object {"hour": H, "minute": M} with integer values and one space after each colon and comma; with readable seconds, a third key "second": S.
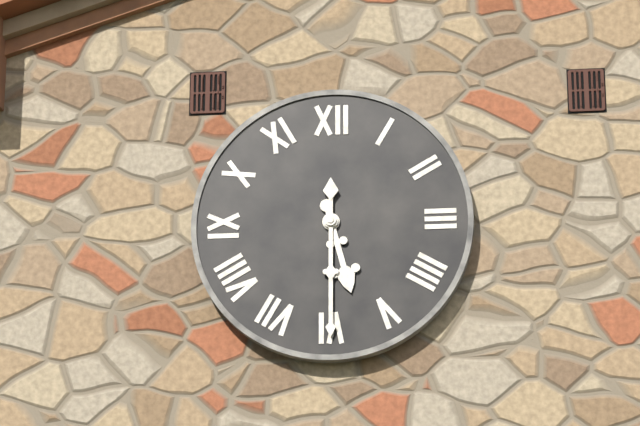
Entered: {"hour": 5, "minute": 30}
